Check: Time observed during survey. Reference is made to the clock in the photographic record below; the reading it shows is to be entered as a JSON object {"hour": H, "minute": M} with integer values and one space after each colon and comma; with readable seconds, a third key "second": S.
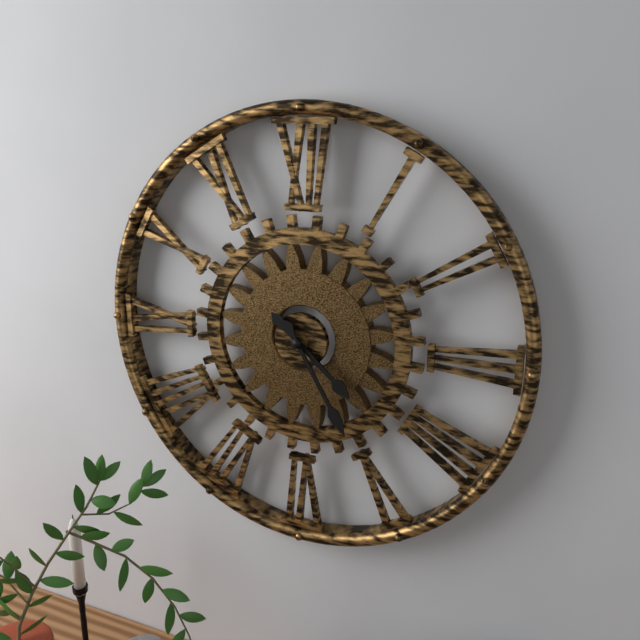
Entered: {"hour": 4, "minute": 25}
